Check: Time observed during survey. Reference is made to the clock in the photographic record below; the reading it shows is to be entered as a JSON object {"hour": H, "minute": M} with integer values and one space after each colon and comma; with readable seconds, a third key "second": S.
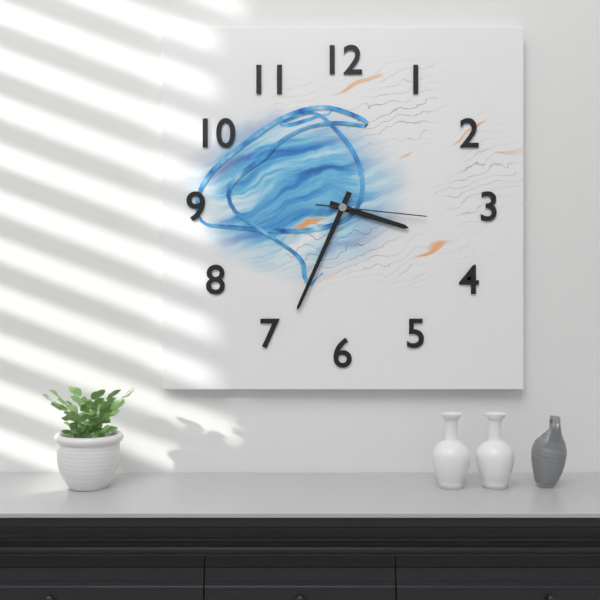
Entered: {"hour": 3, "minute": 34, "second": 16}
